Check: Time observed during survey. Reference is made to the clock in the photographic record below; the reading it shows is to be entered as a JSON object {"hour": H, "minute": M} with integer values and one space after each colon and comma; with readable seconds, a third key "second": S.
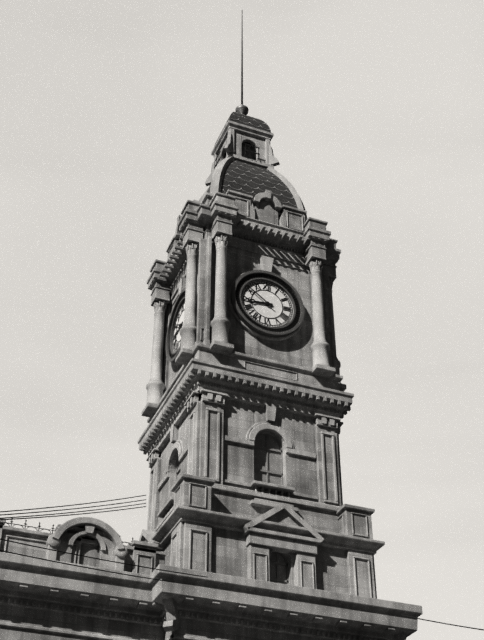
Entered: {"hour": 8, "minute": 51}
